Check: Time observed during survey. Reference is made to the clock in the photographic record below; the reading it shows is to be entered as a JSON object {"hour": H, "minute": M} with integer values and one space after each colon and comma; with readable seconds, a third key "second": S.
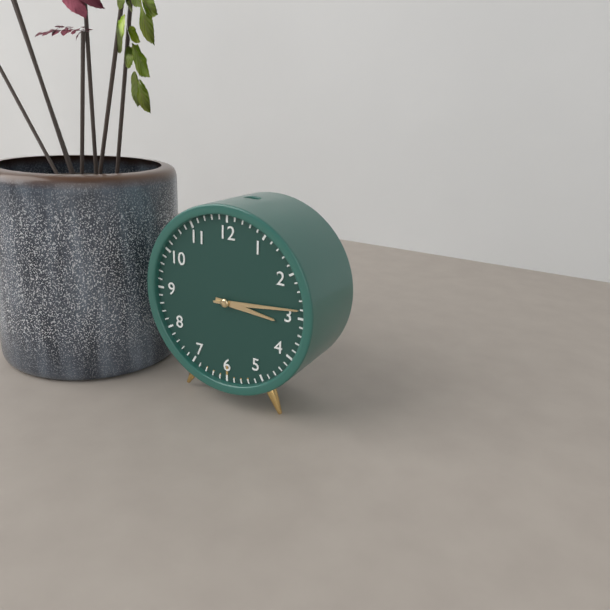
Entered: {"hour": 3, "minute": 14}
